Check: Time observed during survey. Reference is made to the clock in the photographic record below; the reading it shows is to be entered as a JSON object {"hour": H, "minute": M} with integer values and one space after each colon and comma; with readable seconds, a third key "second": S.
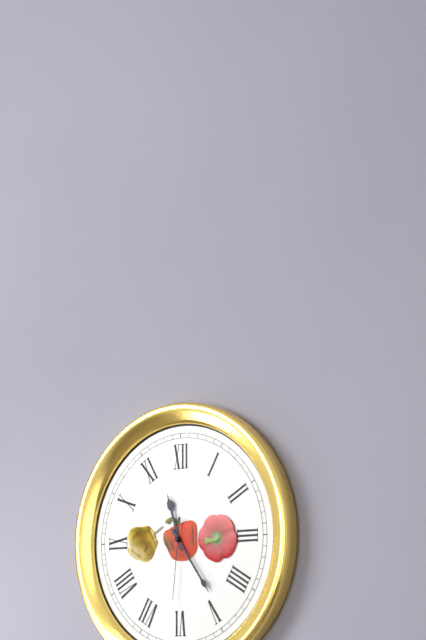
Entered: {"hour": 11, "minute": 24, "second": 31}
